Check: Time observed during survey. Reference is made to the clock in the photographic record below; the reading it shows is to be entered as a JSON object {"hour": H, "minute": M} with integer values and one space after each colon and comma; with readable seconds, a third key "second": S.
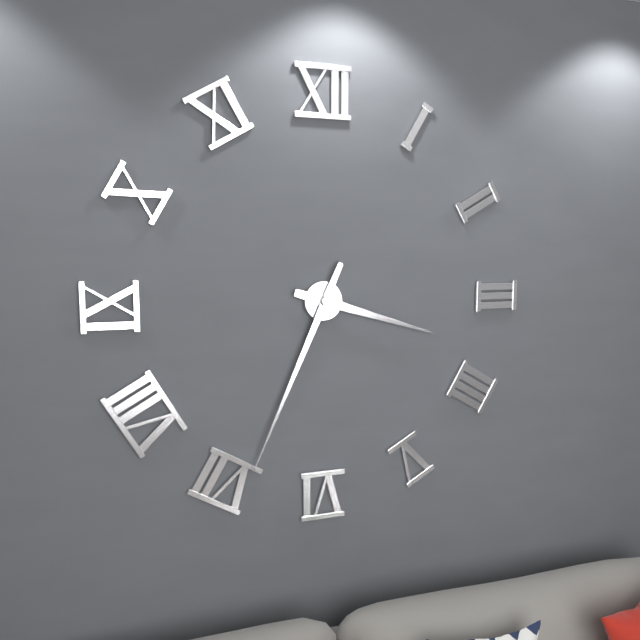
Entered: {"hour": 3, "minute": 34}
